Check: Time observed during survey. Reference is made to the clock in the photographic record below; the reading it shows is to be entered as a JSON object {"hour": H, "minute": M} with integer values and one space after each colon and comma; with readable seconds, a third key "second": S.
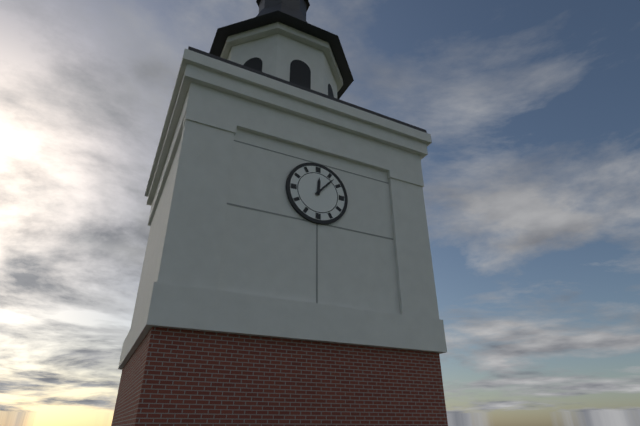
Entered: {"hour": 12, "minute": 7}
